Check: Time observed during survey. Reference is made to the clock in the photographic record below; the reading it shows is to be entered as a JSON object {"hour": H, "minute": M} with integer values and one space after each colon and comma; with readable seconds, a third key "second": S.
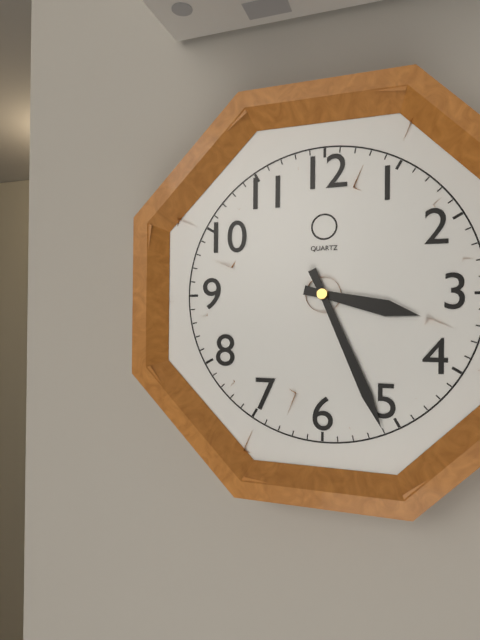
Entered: {"hour": 3, "minute": 26}
